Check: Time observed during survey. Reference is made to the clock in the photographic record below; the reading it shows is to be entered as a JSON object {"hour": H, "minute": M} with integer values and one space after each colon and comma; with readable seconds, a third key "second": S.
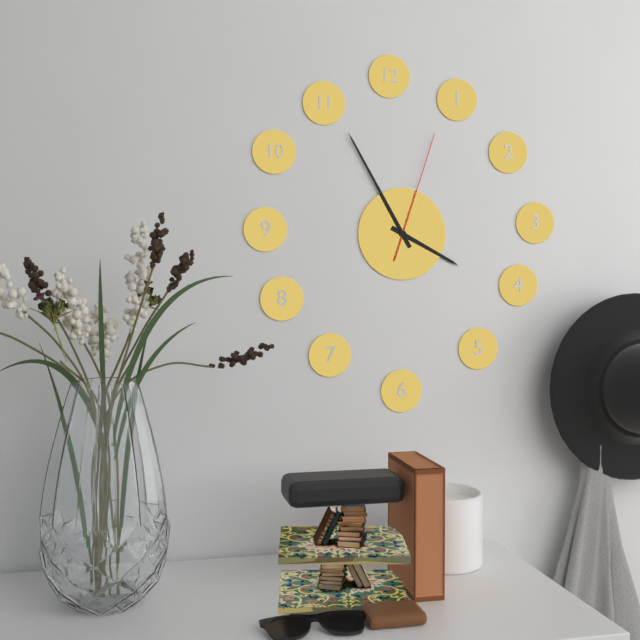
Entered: {"hour": 3, "minute": 55, "second": 3}
